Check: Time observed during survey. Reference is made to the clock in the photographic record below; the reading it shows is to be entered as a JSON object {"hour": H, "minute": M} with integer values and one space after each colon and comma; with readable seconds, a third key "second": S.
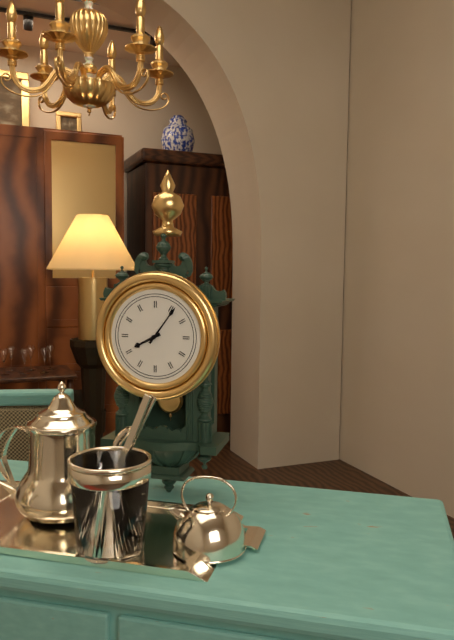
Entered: {"hour": 8, "minute": 6}
